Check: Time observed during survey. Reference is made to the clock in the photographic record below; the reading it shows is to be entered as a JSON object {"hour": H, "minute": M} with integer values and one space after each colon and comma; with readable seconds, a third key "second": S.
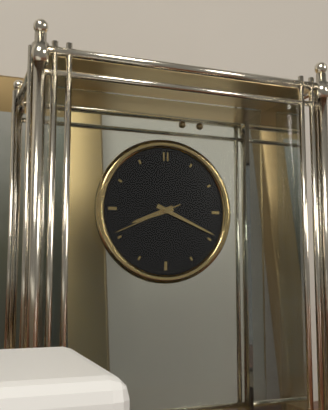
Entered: {"hour": 8, "minute": 19, "second": 41}
